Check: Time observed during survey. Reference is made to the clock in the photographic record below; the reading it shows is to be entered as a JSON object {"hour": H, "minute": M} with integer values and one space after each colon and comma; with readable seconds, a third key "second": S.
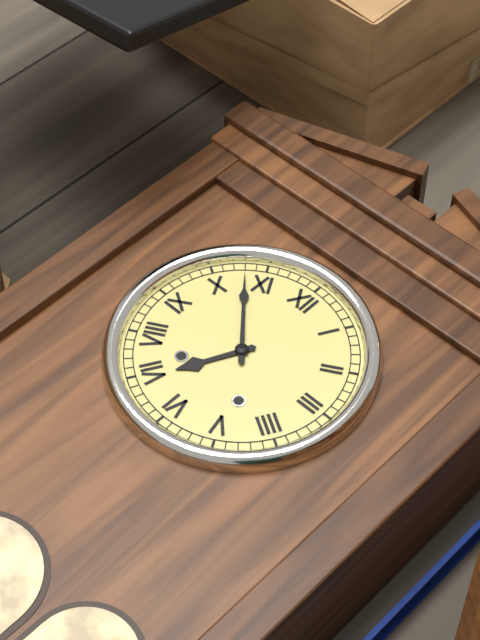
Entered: {"hour": 6, "minute": 53}
